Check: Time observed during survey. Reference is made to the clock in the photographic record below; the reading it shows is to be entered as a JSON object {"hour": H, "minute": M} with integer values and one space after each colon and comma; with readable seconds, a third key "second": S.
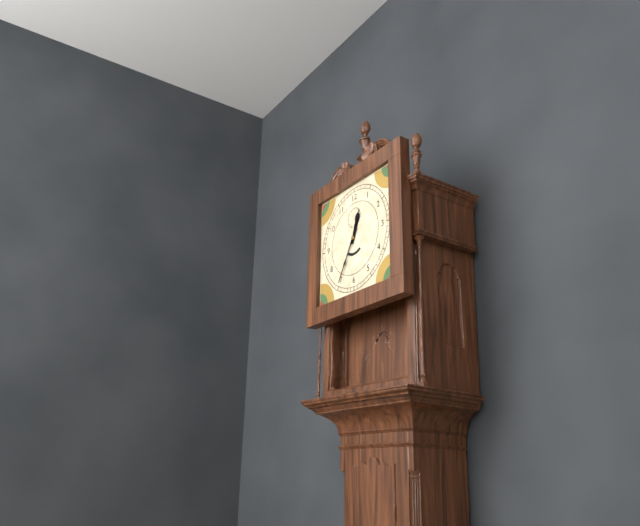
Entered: {"hour": 12, "minute": 35}
